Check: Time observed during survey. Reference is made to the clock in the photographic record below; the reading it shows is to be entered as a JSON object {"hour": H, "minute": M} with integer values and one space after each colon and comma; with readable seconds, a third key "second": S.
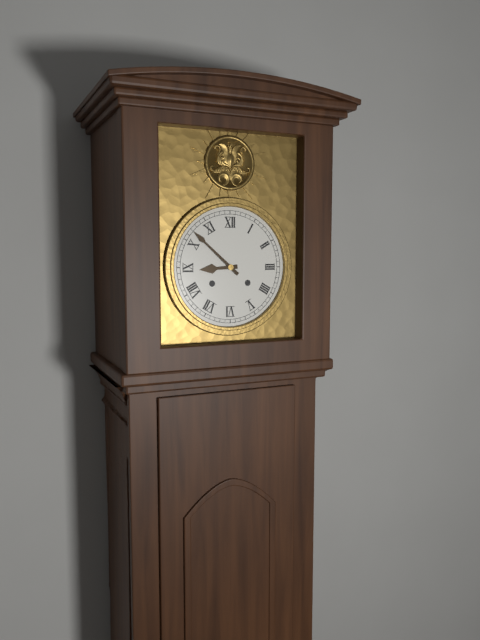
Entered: {"hour": 8, "minute": 52}
